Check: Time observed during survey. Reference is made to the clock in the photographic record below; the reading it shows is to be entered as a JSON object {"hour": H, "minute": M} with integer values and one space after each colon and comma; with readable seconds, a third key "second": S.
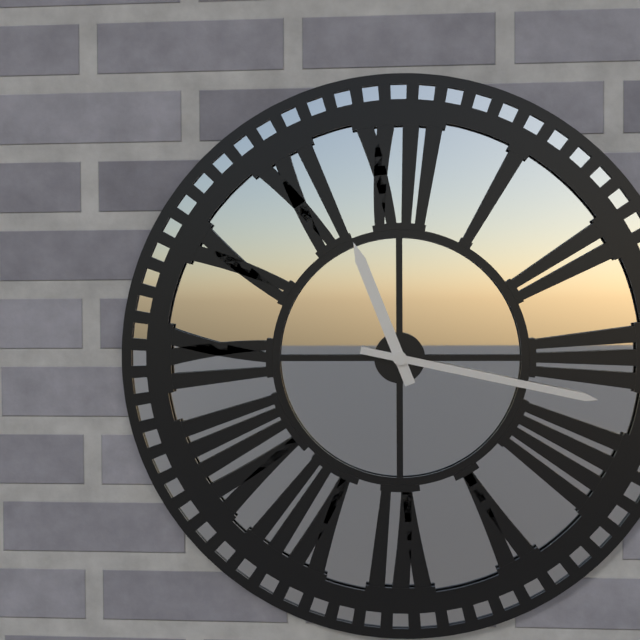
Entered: {"hour": 11, "minute": 17}
